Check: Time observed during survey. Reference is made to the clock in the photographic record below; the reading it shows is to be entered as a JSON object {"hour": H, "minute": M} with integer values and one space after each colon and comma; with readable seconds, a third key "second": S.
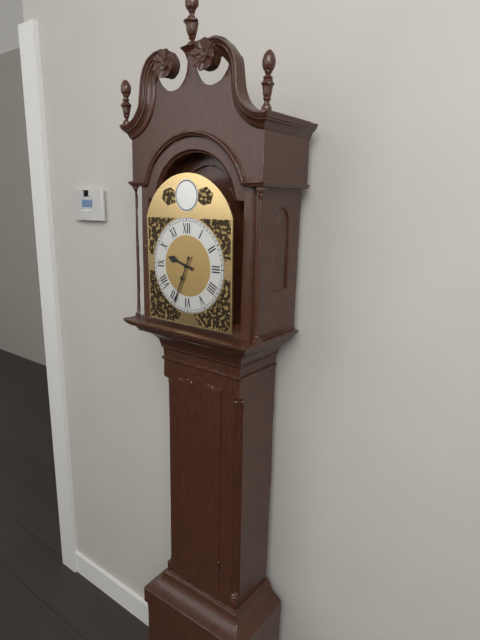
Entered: {"hour": 9, "minute": 34}
